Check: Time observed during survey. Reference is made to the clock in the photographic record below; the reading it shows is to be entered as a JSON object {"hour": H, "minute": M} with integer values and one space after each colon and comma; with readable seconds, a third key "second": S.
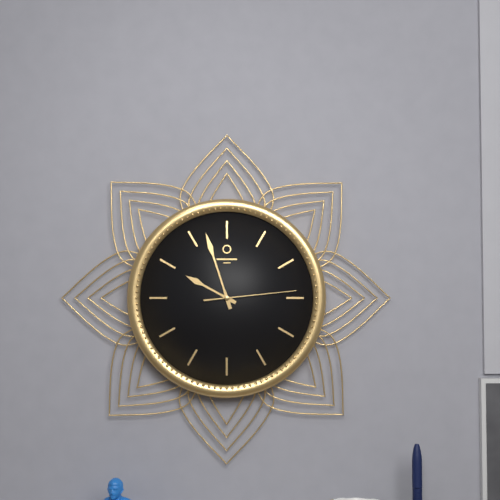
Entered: {"hour": 9, "minute": 57, "second": 14}
